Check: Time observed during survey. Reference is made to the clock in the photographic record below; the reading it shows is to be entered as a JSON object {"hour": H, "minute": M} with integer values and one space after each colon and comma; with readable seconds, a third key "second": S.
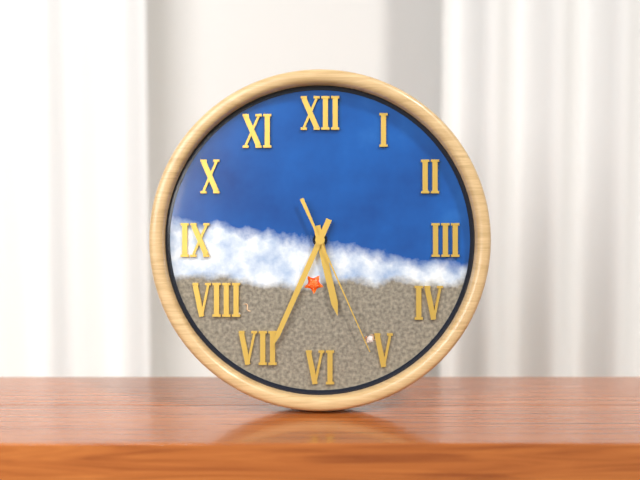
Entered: {"hour": 5, "minute": 34, "second": 26}
